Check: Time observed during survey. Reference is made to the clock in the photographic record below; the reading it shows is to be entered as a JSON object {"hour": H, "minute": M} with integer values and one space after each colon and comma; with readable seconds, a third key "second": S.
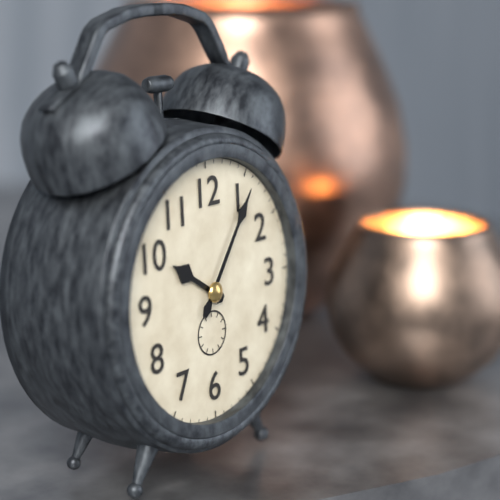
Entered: {"hour": 10, "minute": 6}
